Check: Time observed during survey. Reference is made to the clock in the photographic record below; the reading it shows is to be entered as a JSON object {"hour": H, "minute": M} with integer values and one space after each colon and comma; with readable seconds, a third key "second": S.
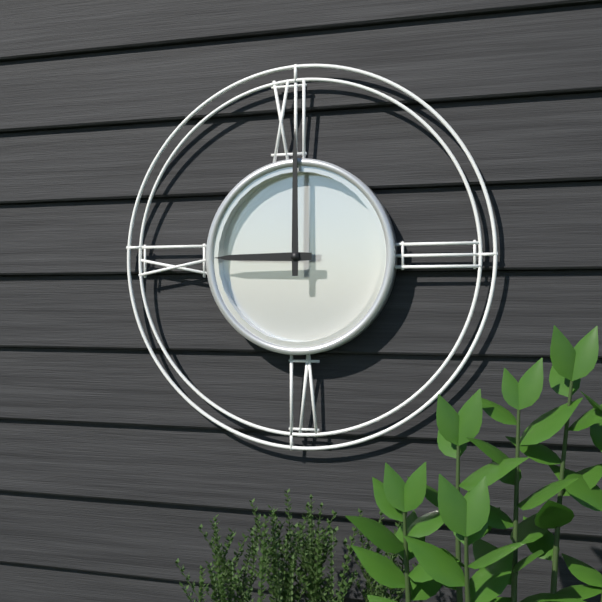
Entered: {"hour": 9, "minute": 0}
